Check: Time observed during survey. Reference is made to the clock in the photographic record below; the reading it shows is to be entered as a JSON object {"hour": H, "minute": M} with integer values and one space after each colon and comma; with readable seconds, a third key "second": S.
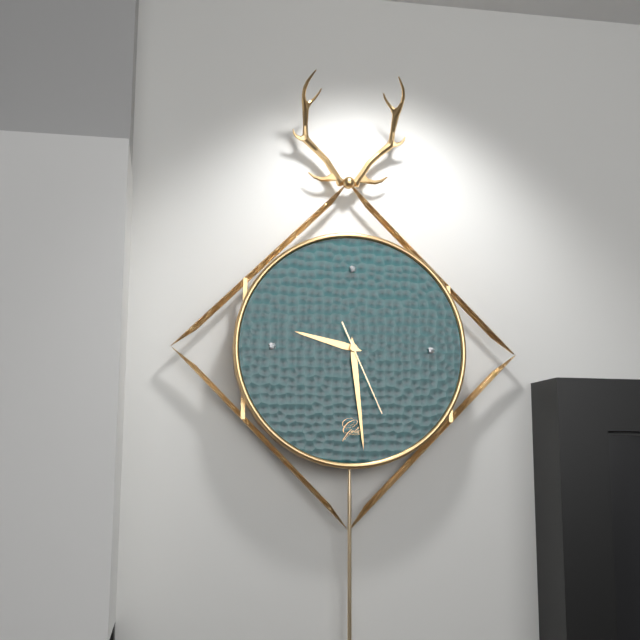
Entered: {"hour": 9, "minute": 29, "second": 26}
